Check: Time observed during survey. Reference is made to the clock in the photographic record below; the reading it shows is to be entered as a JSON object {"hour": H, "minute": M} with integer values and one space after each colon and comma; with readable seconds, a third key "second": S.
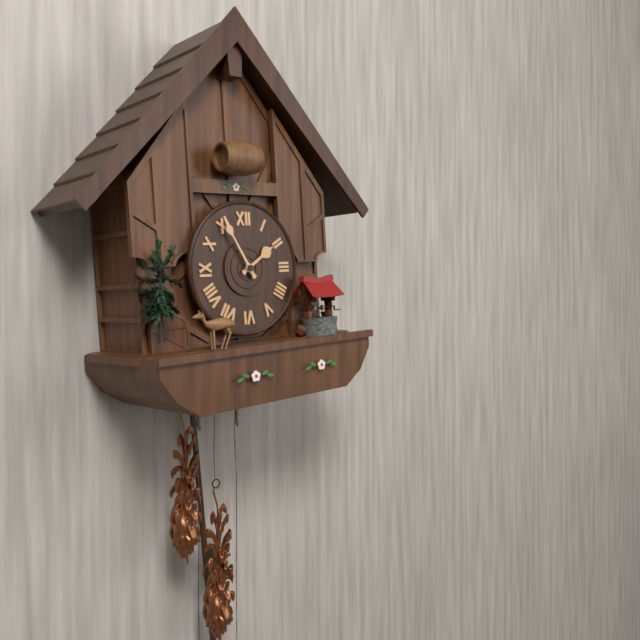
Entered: {"hour": 1, "minute": 55}
